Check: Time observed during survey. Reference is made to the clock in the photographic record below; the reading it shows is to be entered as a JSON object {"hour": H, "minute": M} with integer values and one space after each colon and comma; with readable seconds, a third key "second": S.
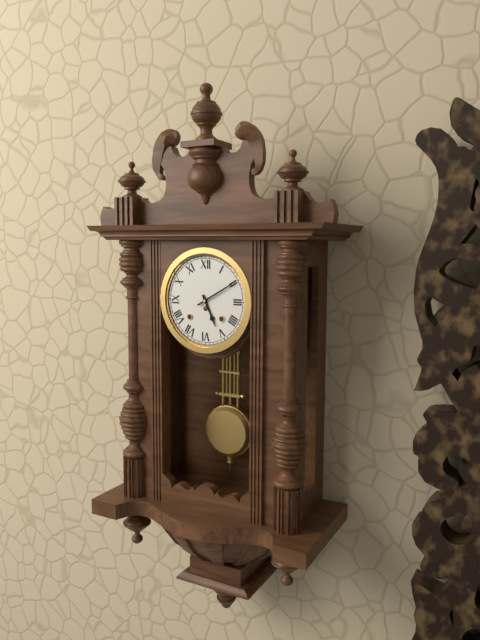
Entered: {"hour": 5, "minute": 10}
